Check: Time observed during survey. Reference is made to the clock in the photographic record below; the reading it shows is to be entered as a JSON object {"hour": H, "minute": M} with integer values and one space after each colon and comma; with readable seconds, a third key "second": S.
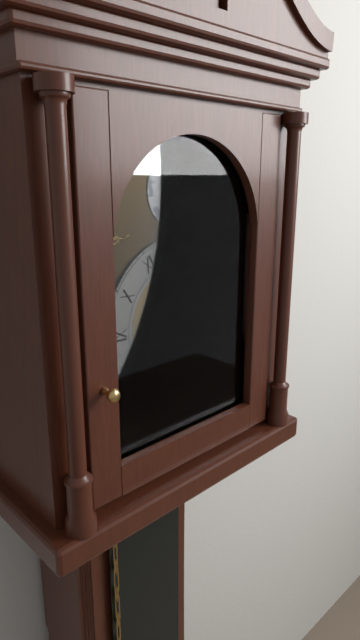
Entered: {"hour": 6, "minute": 56}
